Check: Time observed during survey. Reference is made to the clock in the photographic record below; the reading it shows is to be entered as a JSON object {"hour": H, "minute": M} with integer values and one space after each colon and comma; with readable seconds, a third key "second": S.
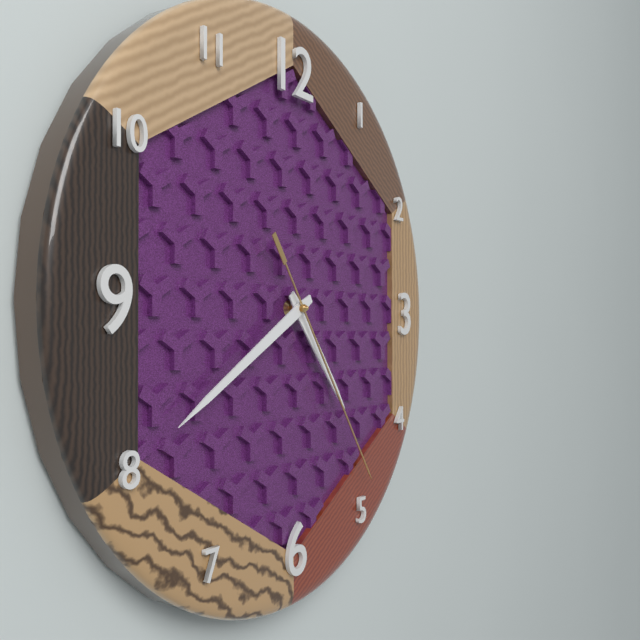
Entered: {"hour": 4, "minute": 40, "second": 24}
